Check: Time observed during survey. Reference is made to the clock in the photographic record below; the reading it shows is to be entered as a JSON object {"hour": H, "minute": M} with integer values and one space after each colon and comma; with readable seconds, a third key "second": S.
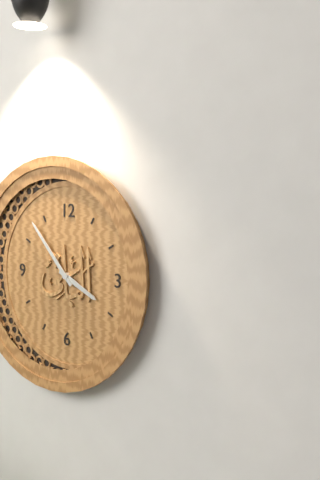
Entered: {"hour": 3, "minute": 53}
